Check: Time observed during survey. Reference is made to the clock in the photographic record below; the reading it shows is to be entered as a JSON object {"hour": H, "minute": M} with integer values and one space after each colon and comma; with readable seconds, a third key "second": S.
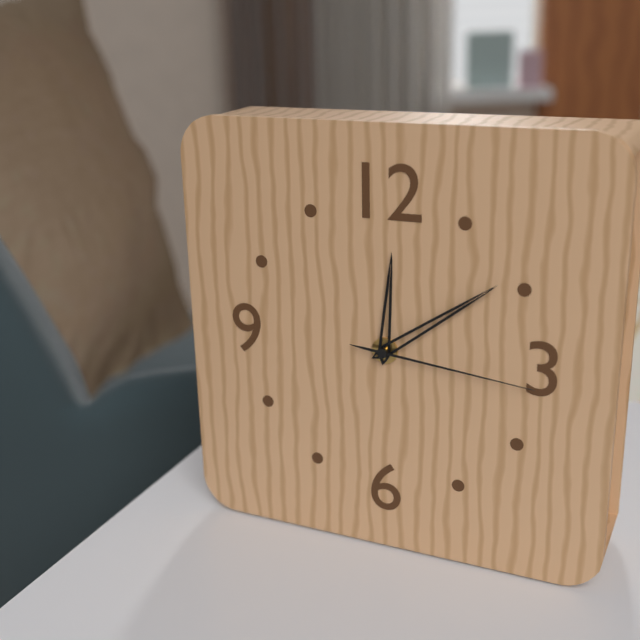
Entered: {"hour": 12, "minute": 9, "second": 16}
